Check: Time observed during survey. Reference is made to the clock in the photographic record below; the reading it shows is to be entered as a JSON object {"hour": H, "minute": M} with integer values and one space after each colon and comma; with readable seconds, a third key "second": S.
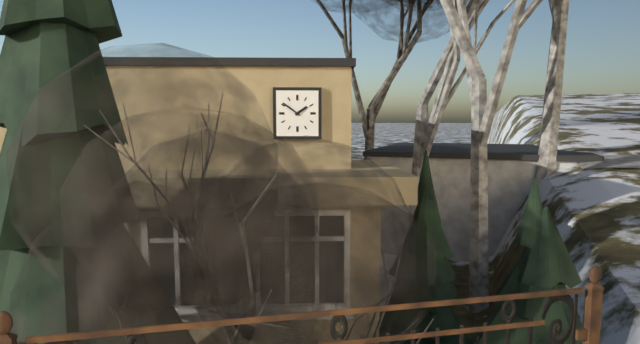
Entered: {"hour": 1, "minute": 51}
